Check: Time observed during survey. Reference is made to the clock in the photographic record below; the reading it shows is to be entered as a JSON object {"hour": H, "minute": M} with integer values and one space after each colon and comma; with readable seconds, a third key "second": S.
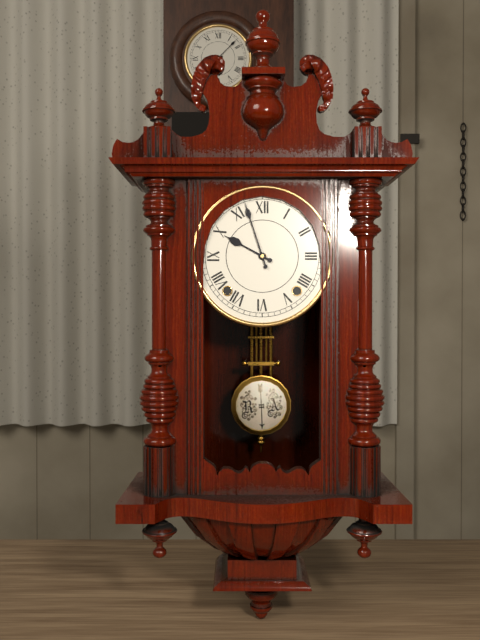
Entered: {"hour": 9, "minute": 57}
